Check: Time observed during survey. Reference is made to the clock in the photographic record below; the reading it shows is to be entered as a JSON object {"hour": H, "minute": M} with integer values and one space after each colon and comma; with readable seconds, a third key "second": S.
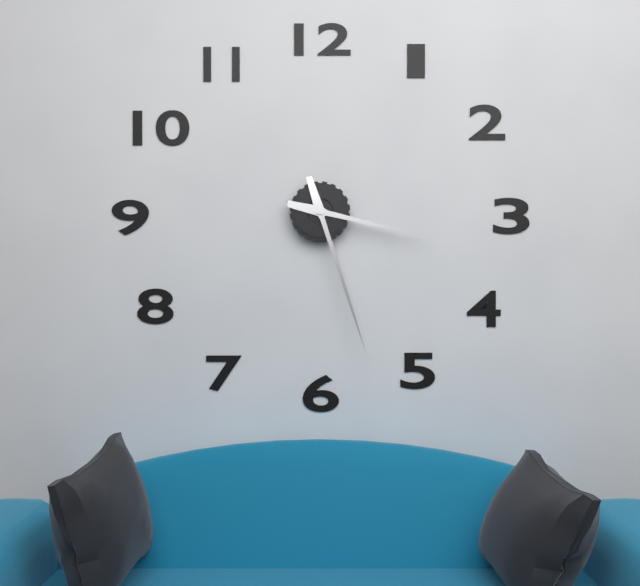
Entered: {"hour": 3, "minute": 27}
